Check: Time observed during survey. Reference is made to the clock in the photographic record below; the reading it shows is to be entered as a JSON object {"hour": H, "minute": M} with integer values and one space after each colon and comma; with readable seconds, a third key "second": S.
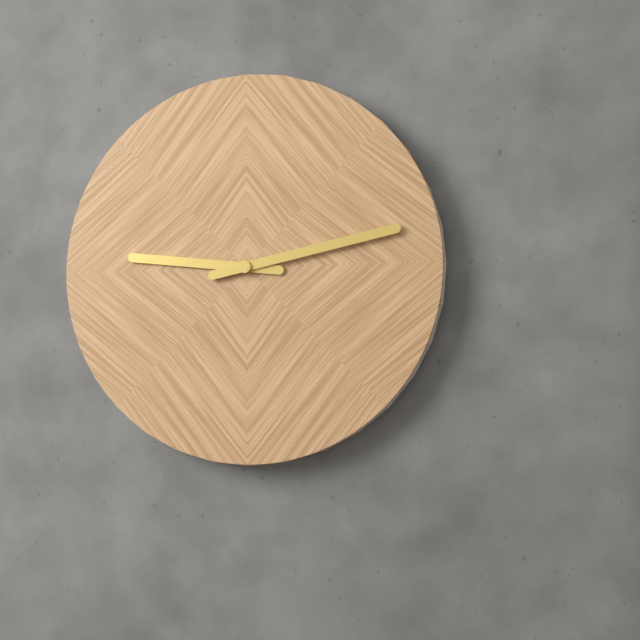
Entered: {"hour": 9, "minute": 13}
